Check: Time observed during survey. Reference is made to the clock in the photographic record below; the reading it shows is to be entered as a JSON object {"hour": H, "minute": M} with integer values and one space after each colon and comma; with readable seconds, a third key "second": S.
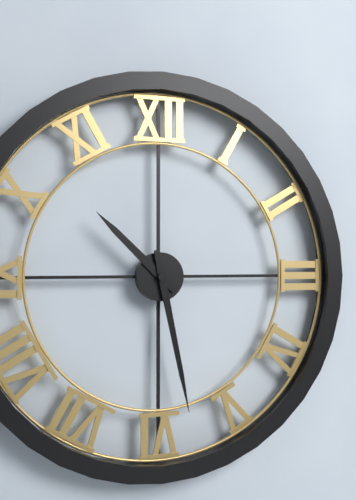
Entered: {"hour": 10, "minute": 28}
